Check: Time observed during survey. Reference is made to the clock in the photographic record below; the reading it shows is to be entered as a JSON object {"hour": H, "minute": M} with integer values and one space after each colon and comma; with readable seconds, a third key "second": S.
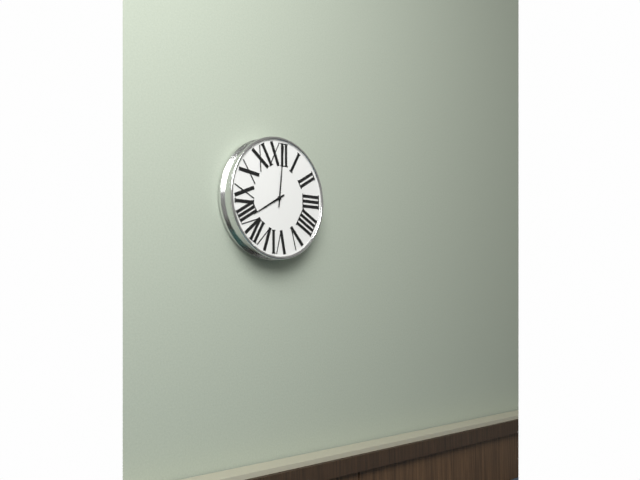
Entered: {"hour": 8, "minute": 1}
